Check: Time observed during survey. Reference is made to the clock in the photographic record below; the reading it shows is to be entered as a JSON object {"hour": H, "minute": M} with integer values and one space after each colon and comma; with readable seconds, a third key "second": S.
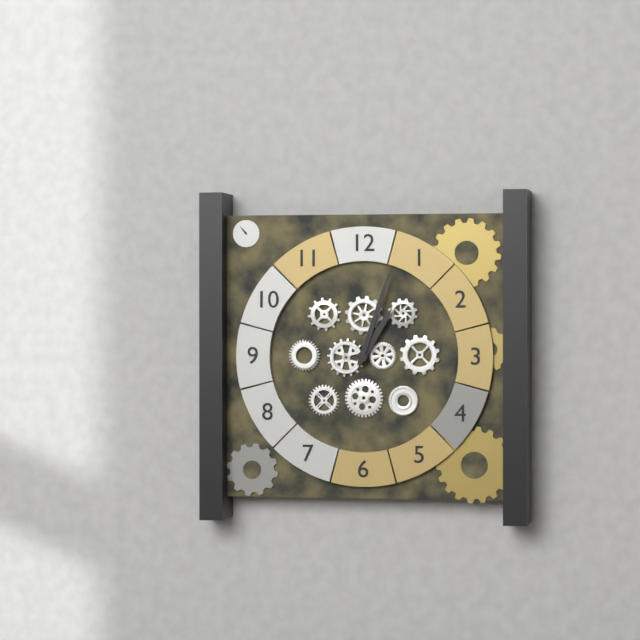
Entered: {"hour": 1, "minute": 3}
